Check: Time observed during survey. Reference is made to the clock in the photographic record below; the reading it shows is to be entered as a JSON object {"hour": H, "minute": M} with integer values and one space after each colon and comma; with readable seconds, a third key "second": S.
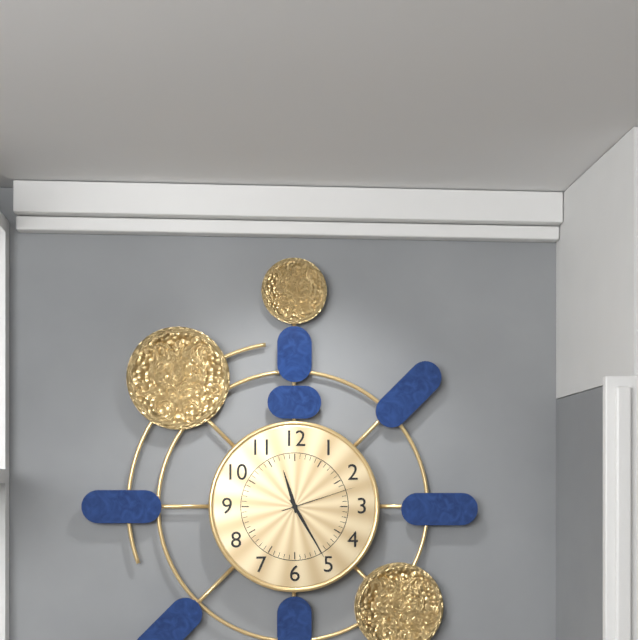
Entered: {"hour": 11, "minute": 25, "second": 12}
